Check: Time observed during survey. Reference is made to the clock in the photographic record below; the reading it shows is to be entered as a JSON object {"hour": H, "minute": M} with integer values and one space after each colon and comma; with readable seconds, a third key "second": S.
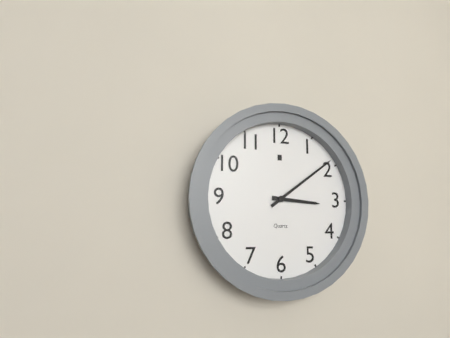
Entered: {"hour": 3, "minute": 9}
